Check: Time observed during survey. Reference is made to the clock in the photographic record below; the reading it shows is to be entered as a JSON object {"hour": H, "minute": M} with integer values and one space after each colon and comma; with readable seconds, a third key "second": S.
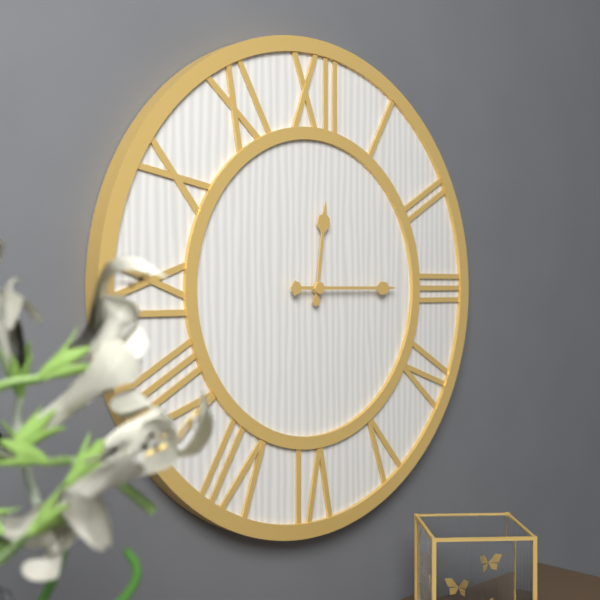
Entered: {"hour": 12, "minute": 15}
